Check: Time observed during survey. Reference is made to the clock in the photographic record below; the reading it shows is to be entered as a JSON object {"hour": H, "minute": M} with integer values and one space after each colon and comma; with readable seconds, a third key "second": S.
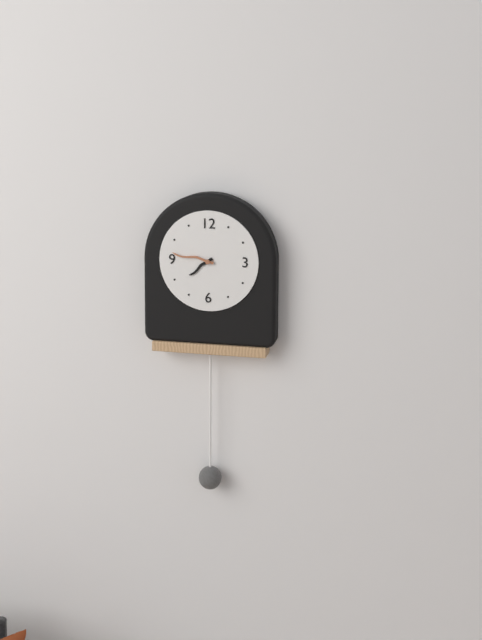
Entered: {"hour": 7, "minute": 47}
